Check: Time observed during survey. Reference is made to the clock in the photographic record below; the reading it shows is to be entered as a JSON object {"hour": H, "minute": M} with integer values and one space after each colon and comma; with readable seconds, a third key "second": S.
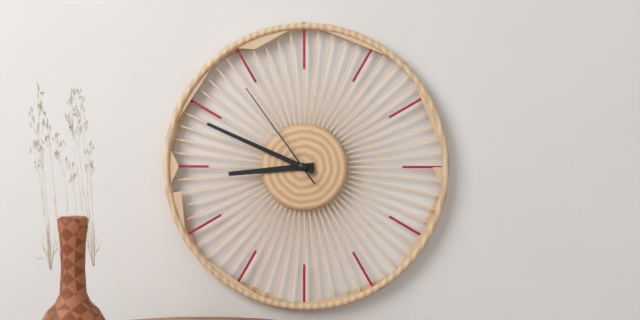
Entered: {"hour": 8, "minute": 49, "second": 54}
